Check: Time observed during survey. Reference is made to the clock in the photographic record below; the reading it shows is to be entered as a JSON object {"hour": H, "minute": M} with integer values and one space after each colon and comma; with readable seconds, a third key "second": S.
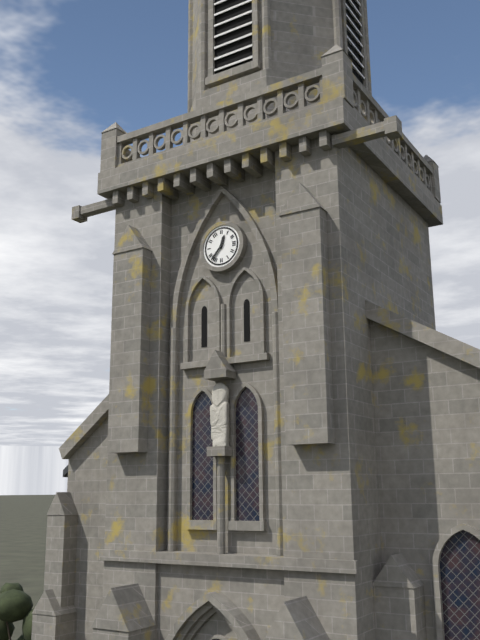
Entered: {"hour": 12, "minute": 37}
